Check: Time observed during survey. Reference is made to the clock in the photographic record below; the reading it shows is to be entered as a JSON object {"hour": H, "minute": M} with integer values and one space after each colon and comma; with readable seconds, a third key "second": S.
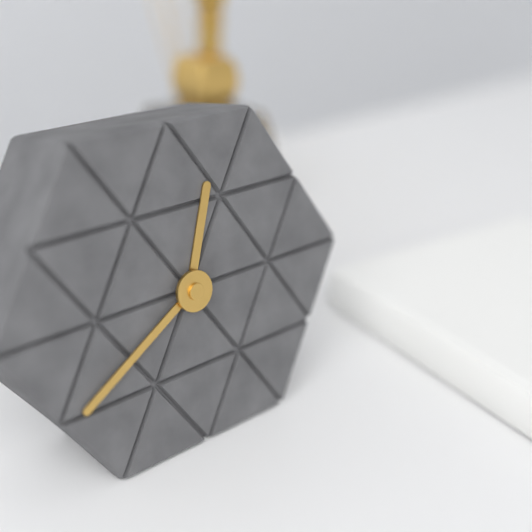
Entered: {"hour": 12, "minute": 40}
